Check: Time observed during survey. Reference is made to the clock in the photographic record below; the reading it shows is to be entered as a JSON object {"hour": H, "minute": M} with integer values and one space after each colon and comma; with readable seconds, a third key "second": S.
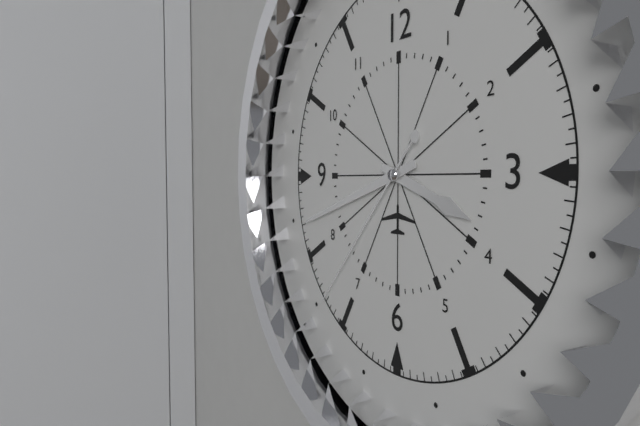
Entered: {"hour": 3, "minute": 42, "second": 37}
